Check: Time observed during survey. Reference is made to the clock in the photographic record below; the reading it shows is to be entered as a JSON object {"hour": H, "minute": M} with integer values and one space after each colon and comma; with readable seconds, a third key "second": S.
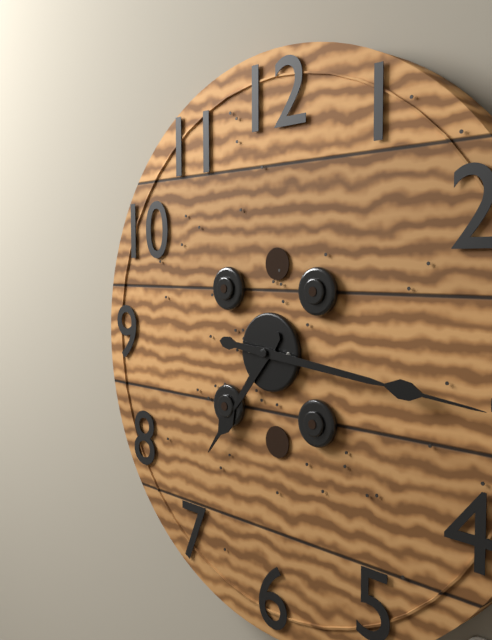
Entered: {"hour": 7, "minute": 16}
